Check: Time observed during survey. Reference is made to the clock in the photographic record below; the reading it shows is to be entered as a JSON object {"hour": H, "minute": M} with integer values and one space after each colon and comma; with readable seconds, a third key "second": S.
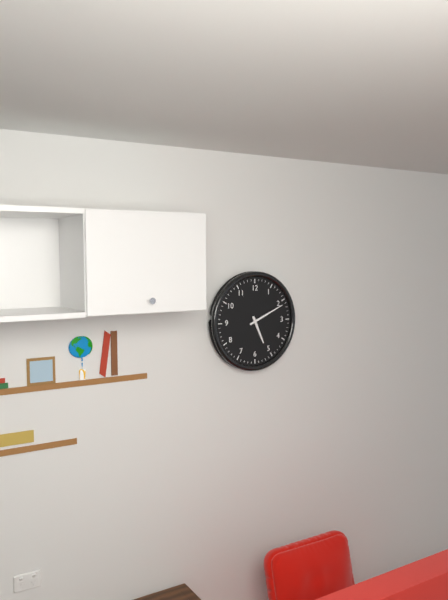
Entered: {"hour": 5, "minute": 11}
